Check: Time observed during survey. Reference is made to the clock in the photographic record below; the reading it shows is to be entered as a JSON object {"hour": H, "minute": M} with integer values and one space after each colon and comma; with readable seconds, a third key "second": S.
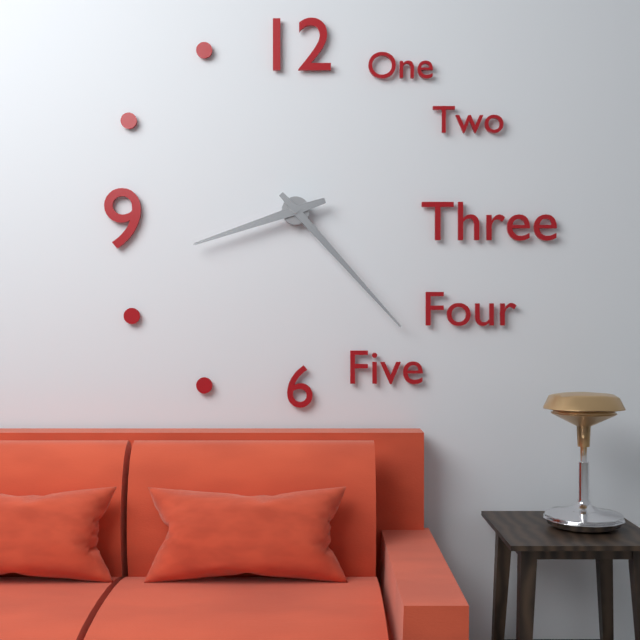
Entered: {"hour": 8, "minute": 23}
